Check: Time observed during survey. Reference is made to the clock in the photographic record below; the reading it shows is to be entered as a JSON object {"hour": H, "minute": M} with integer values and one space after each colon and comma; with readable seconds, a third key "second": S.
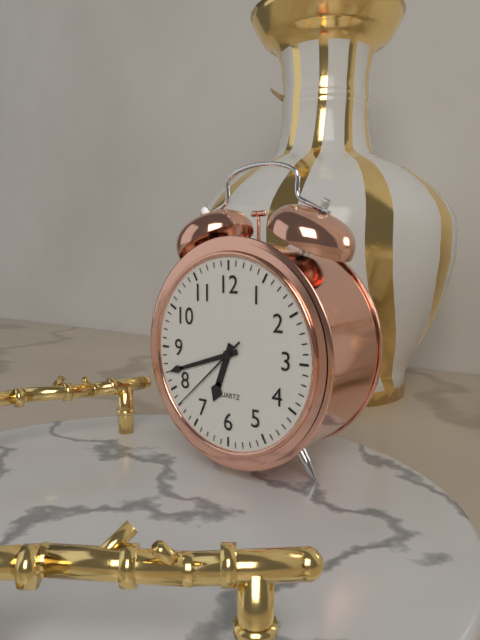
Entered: {"hour": 6, "minute": 42, "second": 38}
